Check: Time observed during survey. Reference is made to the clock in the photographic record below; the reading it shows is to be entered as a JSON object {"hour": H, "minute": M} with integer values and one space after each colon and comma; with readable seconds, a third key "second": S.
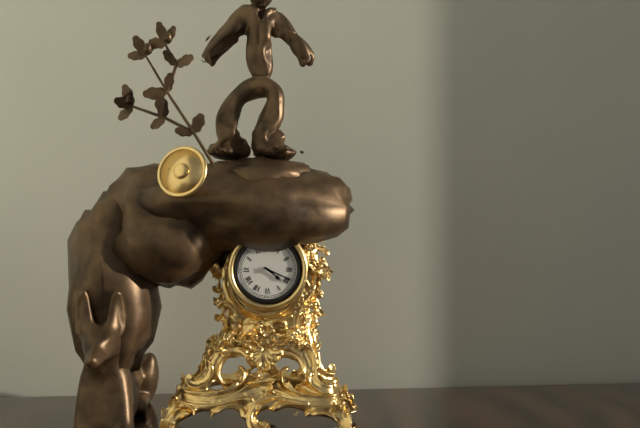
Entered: {"hour": 4, "minute": 19}
